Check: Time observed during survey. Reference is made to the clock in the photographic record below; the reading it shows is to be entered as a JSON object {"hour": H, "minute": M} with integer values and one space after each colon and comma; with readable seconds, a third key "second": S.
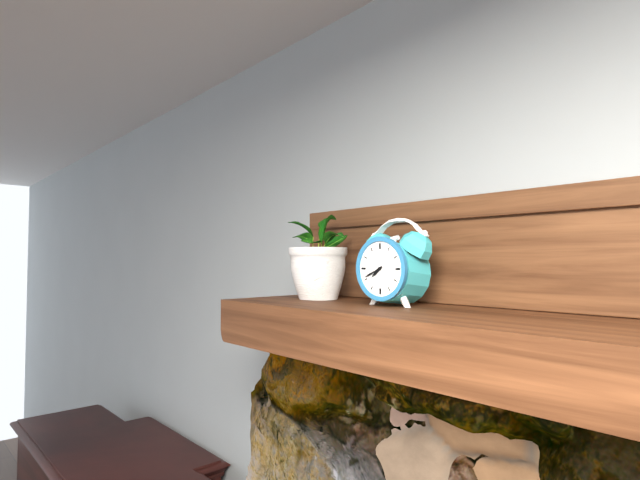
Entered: {"hour": 7, "minute": 41}
